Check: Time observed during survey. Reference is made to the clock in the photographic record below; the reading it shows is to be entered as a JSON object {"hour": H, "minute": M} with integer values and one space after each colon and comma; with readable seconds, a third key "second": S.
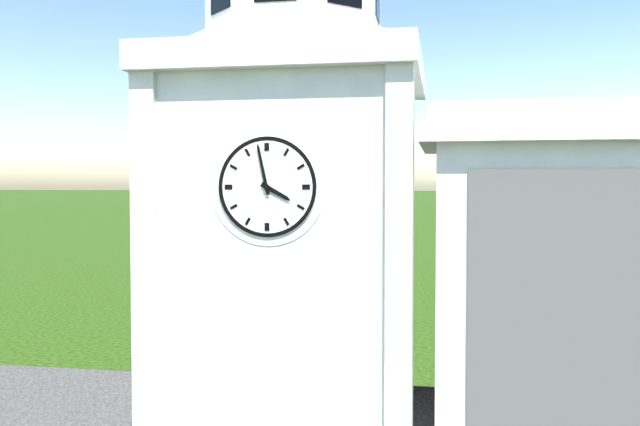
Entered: {"hour": 3, "minute": 58}
